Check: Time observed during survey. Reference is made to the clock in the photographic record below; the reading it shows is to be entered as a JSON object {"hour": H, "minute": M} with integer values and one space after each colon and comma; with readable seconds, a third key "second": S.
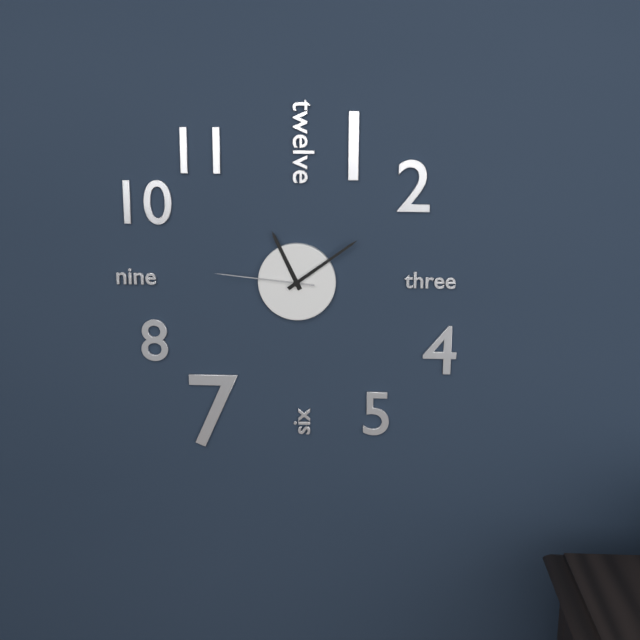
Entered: {"hour": 11, "minute": 9, "second": 46}
